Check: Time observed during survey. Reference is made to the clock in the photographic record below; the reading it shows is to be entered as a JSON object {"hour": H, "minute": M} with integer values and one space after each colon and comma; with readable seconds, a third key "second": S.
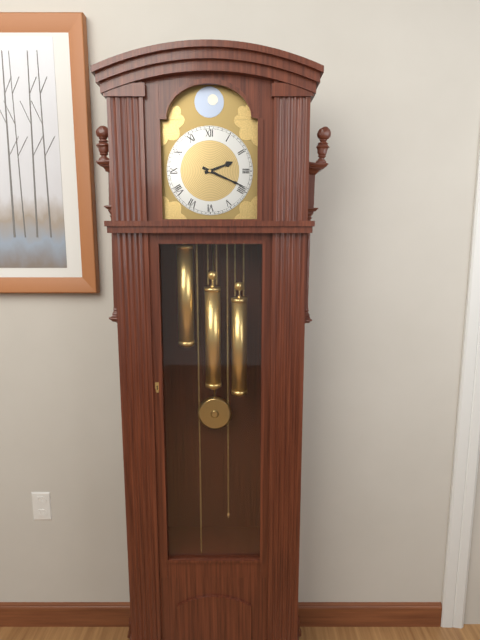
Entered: {"hour": 2, "minute": 19}
